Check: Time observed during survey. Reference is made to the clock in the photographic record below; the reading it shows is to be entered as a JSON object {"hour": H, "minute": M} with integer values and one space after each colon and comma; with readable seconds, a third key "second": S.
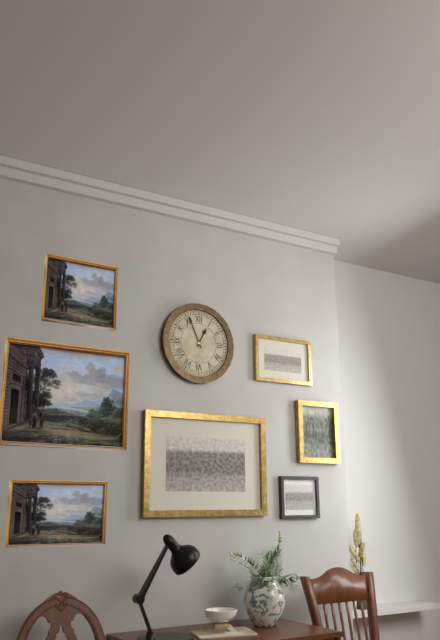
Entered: {"hour": 12, "minute": 56}
